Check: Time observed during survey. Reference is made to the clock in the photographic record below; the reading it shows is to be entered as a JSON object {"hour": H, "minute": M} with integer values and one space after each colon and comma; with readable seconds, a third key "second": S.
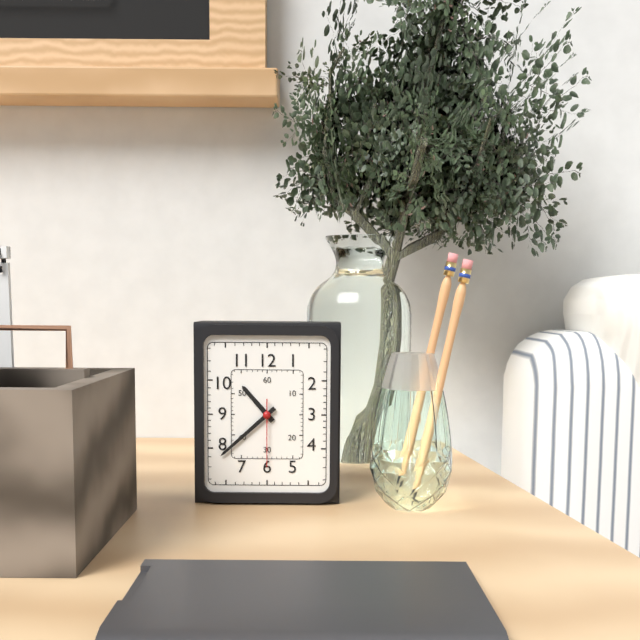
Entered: {"hour": 10, "minute": 38, "second": 30}
